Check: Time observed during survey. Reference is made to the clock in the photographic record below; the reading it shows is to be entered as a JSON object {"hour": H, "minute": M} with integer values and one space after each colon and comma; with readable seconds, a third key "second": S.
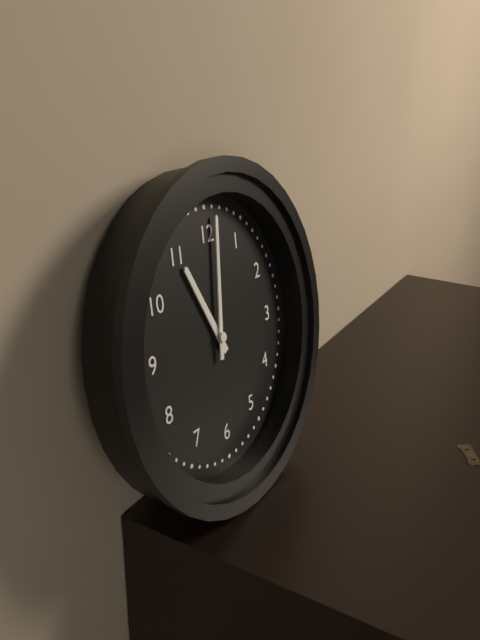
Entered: {"hour": 11, "minute": 1}
